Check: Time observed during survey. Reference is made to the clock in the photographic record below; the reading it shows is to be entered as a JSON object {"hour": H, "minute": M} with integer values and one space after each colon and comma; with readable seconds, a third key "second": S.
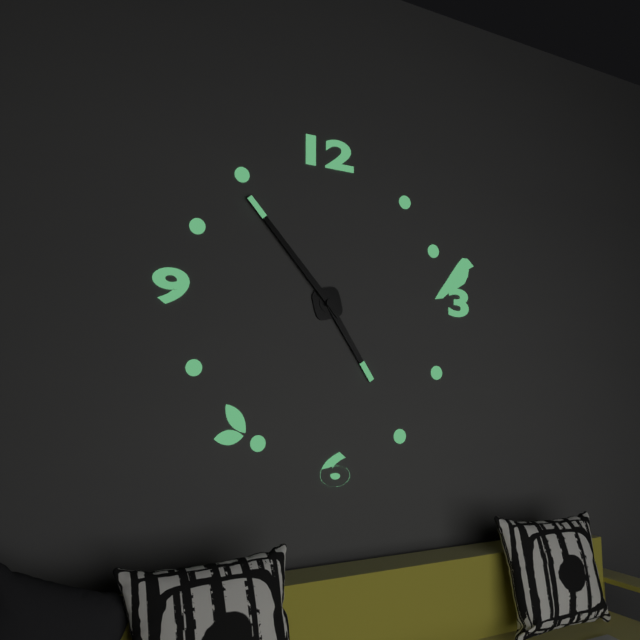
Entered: {"hour": 4, "minute": 53}
